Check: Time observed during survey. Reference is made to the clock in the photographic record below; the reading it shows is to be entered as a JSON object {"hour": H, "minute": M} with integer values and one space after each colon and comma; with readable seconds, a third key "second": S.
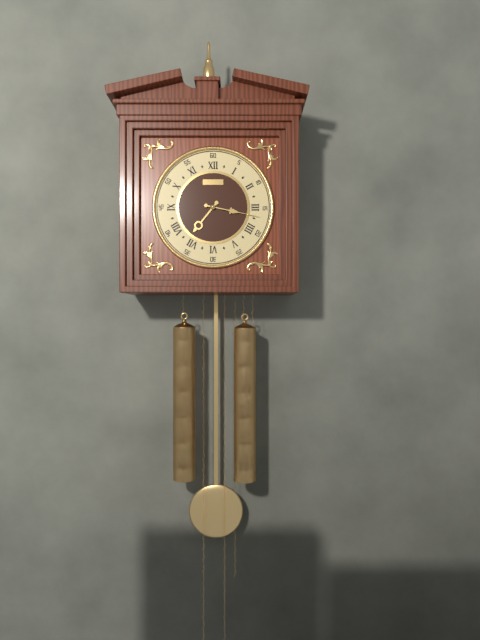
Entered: {"hour": 7, "minute": 17}
